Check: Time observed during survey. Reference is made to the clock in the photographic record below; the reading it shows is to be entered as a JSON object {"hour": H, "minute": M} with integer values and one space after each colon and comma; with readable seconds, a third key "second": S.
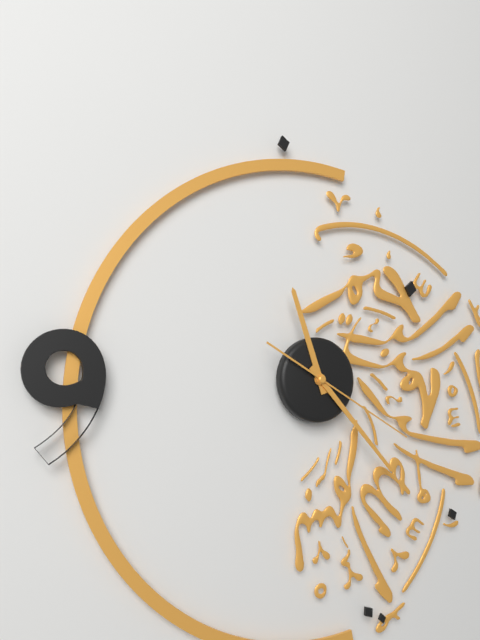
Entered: {"hour": 11, "minute": 23, "second": 20}
